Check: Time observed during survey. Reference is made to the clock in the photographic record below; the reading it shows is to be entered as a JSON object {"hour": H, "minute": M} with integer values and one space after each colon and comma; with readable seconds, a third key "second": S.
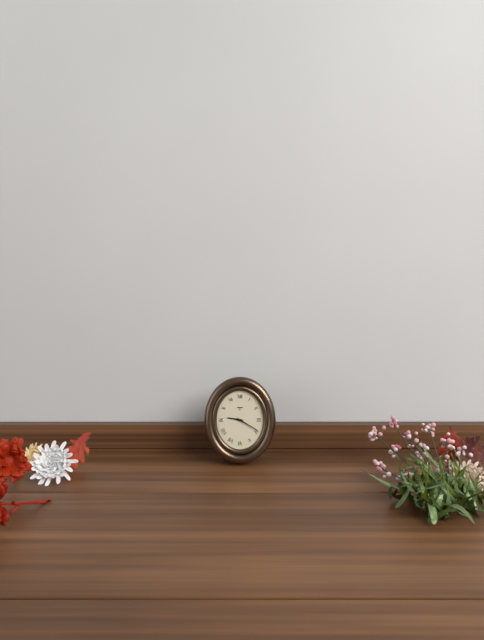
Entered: {"hour": 9, "minute": 20}
